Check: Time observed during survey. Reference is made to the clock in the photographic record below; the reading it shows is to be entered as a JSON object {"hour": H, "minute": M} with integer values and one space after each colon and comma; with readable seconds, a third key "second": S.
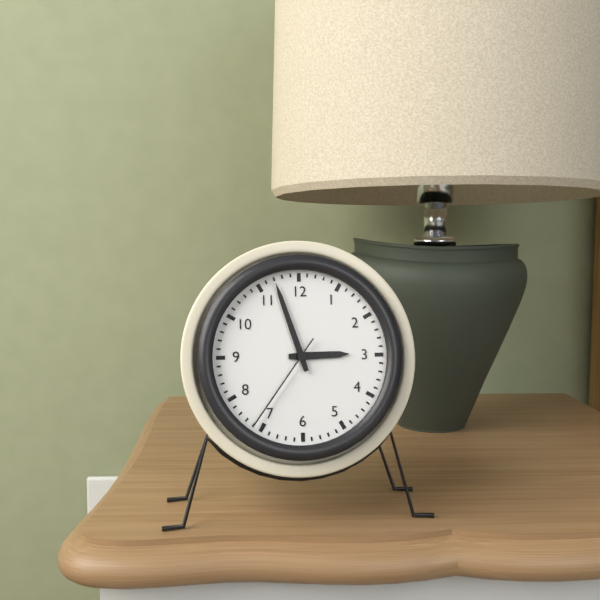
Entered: {"hour": 2, "minute": 57, "second": 36}
